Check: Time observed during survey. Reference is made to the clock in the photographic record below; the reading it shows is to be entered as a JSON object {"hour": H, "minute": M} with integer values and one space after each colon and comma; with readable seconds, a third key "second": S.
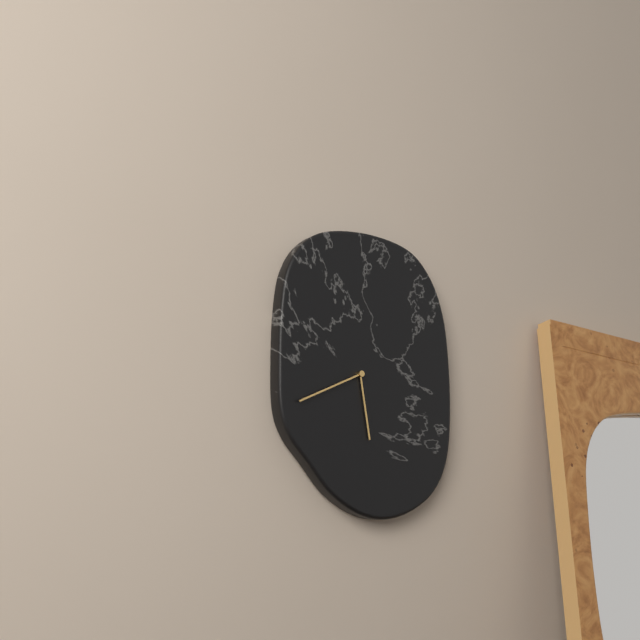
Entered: {"hour": 5, "minute": 41}
